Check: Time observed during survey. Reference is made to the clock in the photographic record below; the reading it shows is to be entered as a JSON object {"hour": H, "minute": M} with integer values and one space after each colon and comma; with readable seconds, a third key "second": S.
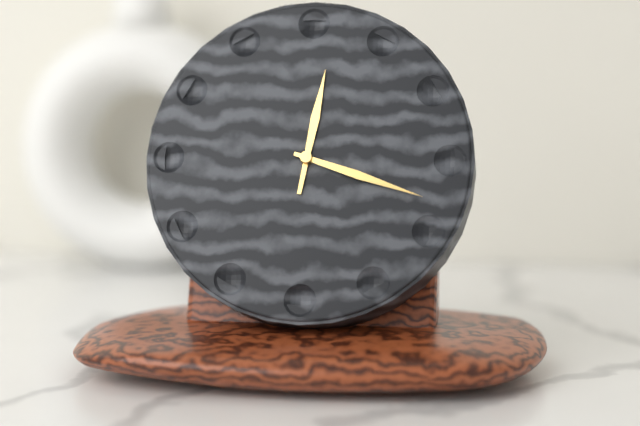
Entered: {"hour": 12, "minute": 18}
